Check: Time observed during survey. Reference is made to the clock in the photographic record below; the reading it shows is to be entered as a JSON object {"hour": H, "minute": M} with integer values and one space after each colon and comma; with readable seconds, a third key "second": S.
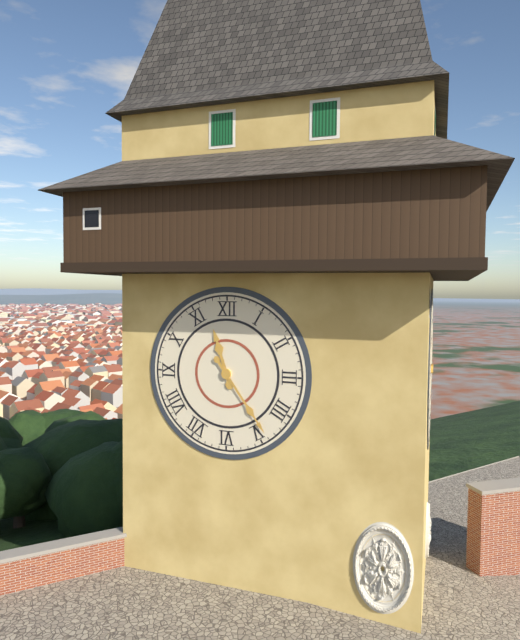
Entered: {"hour": 11, "minute": 24}
